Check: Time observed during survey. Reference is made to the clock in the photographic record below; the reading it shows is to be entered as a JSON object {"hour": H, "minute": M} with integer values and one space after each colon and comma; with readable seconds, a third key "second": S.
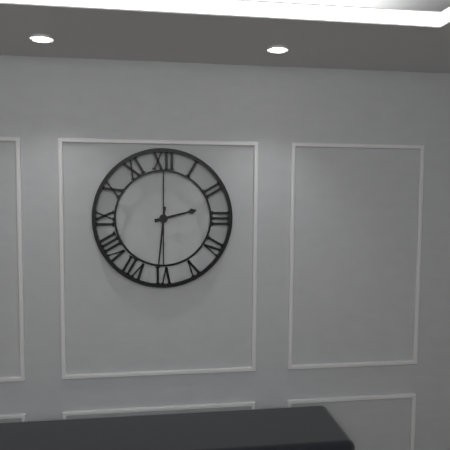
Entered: {"hour": 2, "minute": 31}
